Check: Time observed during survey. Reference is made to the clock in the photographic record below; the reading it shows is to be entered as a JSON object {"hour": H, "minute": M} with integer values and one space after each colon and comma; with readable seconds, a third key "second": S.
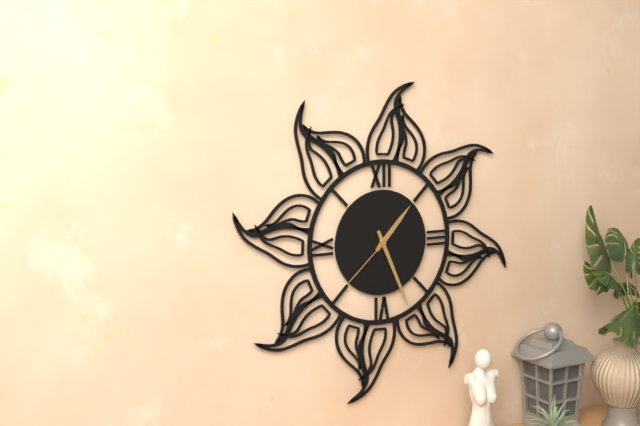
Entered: {"hour": 1, "minute": 26, "second": 38}
